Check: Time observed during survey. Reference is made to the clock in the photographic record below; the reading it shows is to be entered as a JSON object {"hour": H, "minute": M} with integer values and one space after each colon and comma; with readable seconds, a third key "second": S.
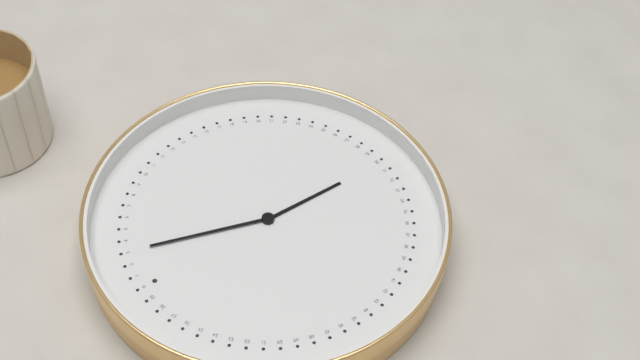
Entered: {"hour": 6, "minute": 3}
